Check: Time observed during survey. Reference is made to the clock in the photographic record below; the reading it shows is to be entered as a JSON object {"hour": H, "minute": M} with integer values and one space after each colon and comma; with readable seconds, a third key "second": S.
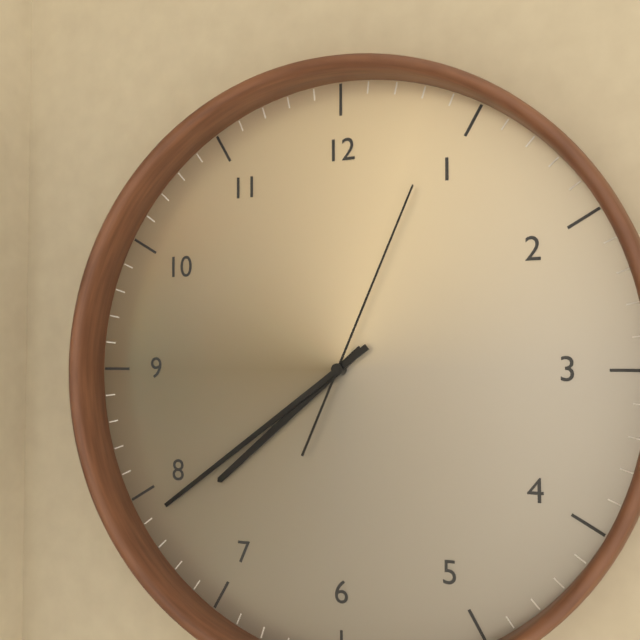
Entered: {"hour": 7, "minute": 39, "second": 4}
